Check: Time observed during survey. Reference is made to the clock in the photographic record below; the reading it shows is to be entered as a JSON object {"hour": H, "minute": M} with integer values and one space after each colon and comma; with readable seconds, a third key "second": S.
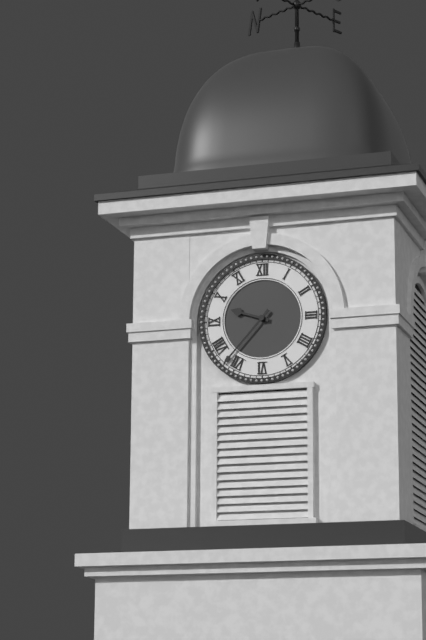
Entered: {"hour": 9, "minute": 37}
